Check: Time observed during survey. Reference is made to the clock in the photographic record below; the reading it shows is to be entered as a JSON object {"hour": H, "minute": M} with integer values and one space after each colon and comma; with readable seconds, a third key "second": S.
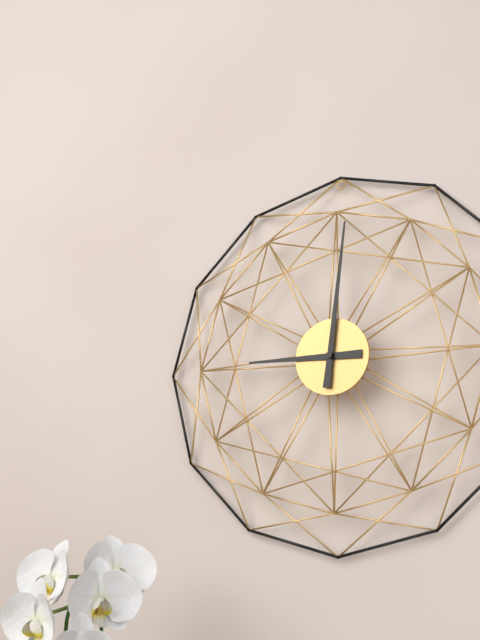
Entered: {"hour": 9, "minute": 1}
